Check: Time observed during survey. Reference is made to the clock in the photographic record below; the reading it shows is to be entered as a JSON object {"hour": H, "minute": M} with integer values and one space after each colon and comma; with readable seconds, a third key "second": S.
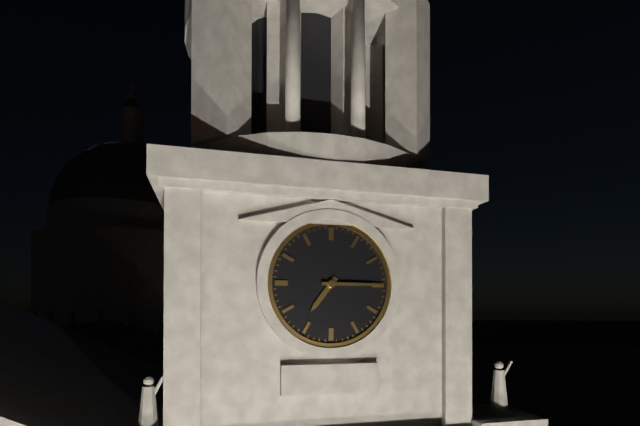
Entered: {"hour": 7, "minute": 15}
